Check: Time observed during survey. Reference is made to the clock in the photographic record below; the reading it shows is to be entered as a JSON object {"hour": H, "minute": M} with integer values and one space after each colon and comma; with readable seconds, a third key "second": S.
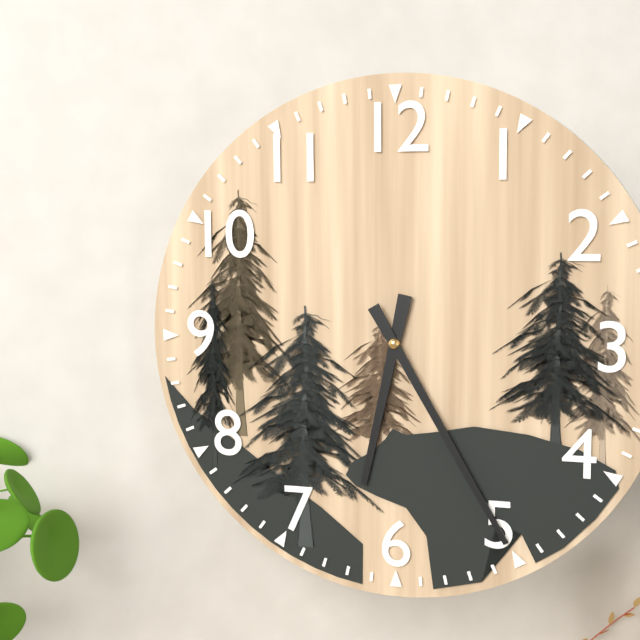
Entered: {"hour": 6, "minute": 25}
